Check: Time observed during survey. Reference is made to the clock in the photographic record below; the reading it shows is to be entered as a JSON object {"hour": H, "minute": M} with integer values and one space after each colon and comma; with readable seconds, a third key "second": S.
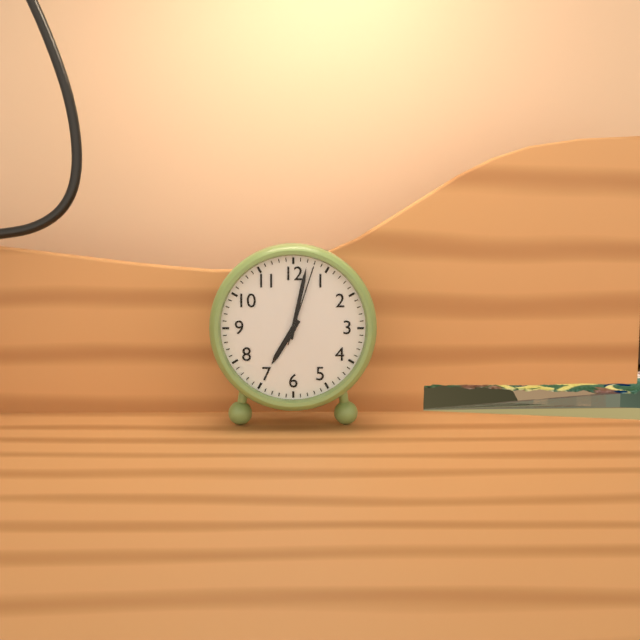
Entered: {"hour": 7, "minute": 2, "second": 3}
